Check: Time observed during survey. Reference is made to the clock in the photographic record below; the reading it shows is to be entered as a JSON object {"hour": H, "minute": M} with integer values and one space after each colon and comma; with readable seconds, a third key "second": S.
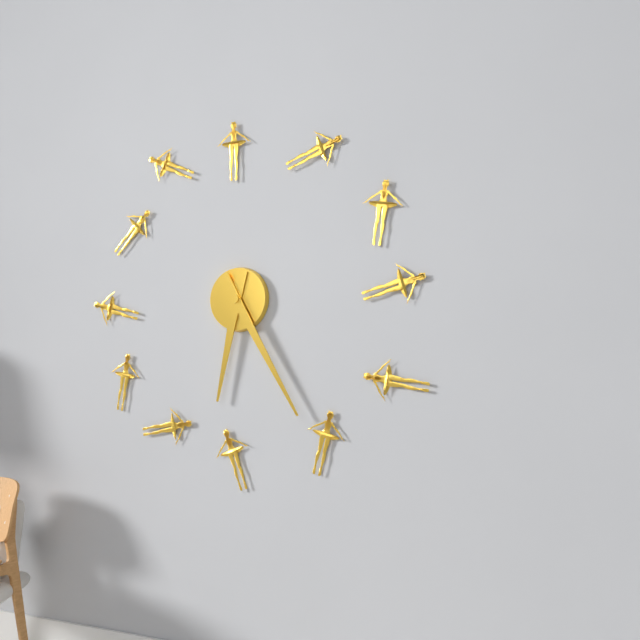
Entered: {"hour": 6, "minute": 25}
